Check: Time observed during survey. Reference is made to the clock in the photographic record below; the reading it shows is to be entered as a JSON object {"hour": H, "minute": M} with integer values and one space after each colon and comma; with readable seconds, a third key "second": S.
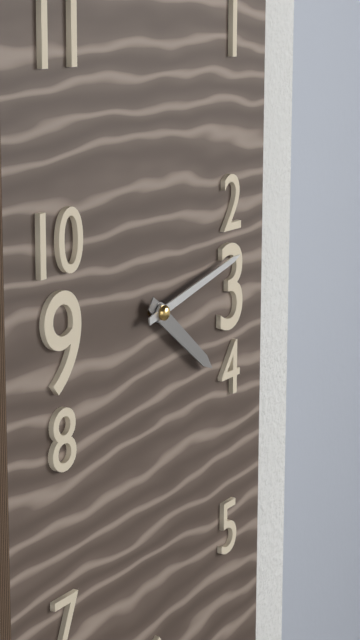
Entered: {"hour": 4, "minute": 13}
